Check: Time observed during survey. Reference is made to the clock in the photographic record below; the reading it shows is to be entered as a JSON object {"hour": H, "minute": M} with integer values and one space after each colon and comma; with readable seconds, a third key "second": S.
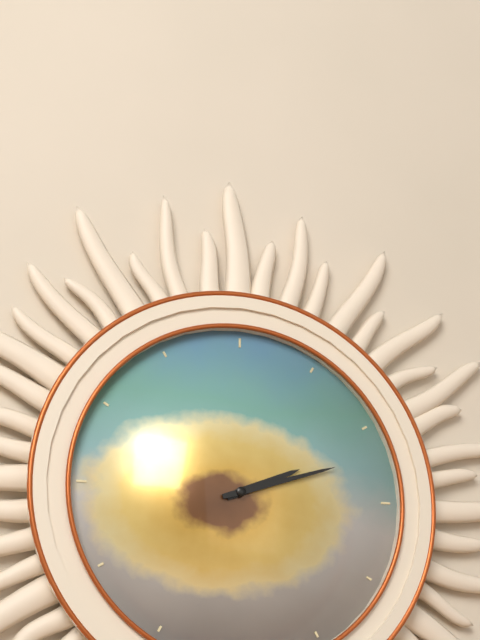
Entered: {"hour": 2, "minute": 12}
